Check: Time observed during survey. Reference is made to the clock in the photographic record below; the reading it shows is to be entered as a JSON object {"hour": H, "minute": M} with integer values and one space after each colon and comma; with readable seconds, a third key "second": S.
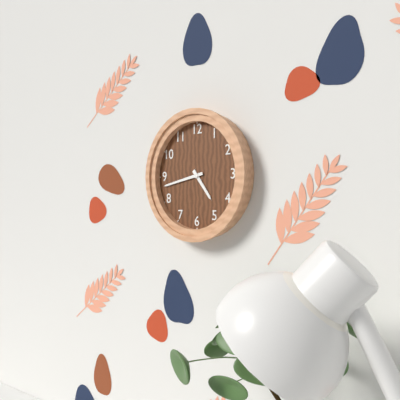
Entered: {"hour": 4, "minute": 43}
